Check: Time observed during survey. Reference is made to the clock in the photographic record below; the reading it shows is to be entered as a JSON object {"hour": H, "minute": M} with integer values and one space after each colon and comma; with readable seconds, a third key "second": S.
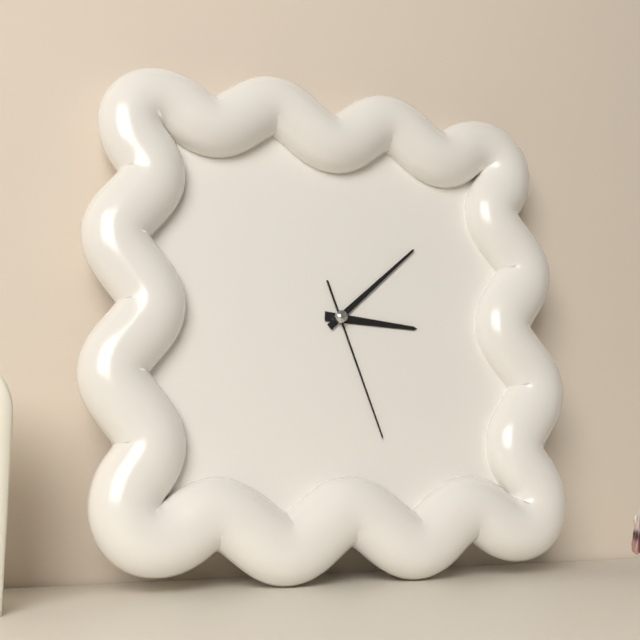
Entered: {"hour": 3, "minute": 8, "second": 27}
